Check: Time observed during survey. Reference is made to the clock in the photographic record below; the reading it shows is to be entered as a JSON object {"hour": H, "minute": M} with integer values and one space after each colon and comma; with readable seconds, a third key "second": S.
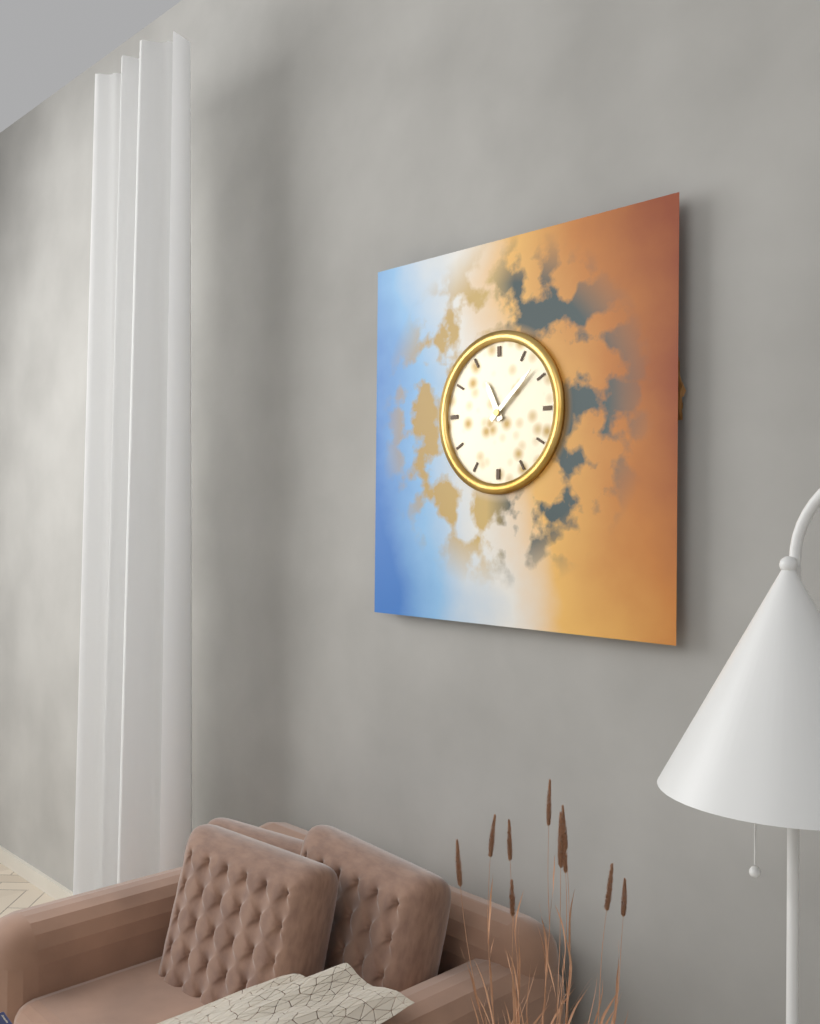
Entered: {"hour": 11, "minute": 8}
